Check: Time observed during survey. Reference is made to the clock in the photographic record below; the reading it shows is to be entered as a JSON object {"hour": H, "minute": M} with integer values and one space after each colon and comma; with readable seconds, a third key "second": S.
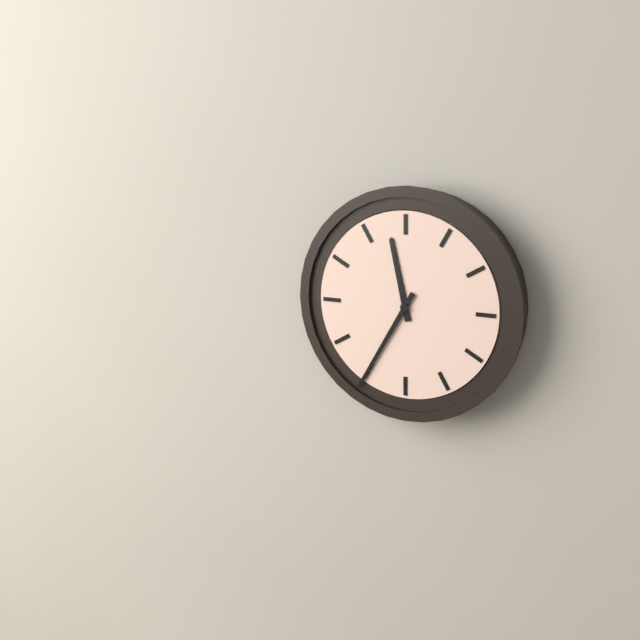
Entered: {"hour": 11, "minute": 35}
